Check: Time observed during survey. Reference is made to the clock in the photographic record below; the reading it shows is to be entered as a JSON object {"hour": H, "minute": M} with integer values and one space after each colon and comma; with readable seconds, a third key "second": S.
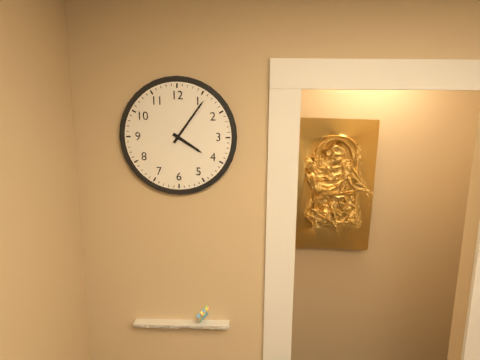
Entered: {"hour": 4, "minute": 6}
